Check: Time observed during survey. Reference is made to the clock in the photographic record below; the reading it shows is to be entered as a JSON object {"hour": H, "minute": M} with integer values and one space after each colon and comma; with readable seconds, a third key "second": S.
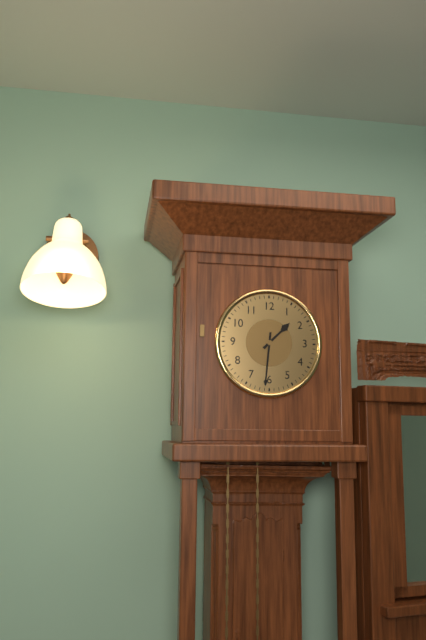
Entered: {"hour": 1, "minute": 31}
